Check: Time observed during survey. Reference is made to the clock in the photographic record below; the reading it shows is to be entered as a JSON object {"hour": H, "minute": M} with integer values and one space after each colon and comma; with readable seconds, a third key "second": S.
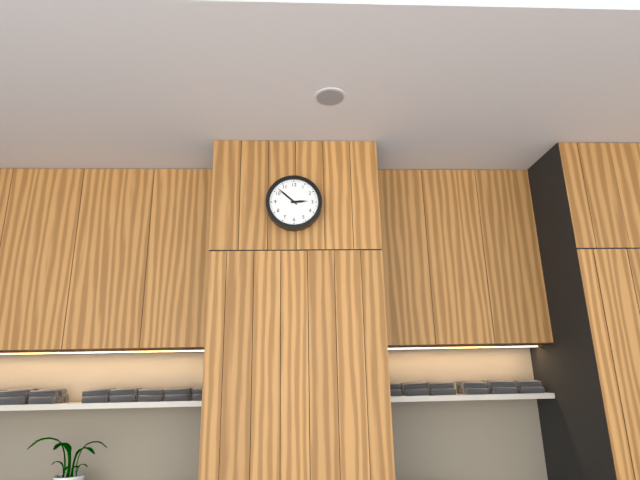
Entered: {"hour": 2, "minute": 52}
